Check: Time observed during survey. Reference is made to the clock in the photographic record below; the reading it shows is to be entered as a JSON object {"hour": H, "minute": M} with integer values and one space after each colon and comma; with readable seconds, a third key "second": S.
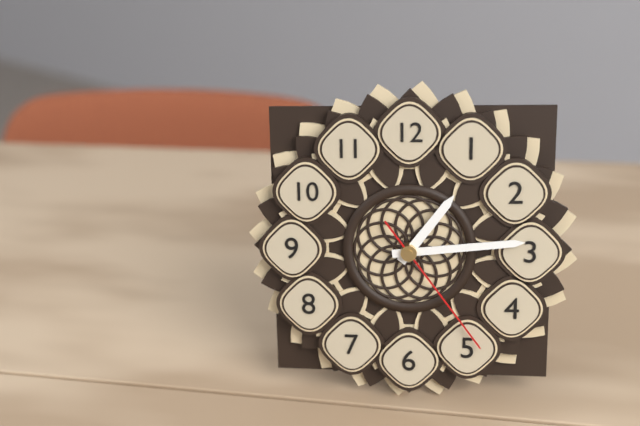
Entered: {"hour": 1, "minute": 14, "second": 24}
